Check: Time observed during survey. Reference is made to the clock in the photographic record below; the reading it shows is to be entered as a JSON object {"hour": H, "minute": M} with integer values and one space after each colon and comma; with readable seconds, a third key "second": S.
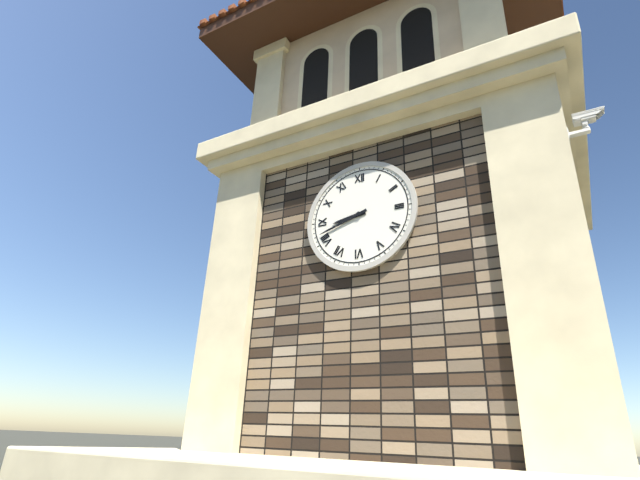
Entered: {"hour": 8, "minute": 42}
